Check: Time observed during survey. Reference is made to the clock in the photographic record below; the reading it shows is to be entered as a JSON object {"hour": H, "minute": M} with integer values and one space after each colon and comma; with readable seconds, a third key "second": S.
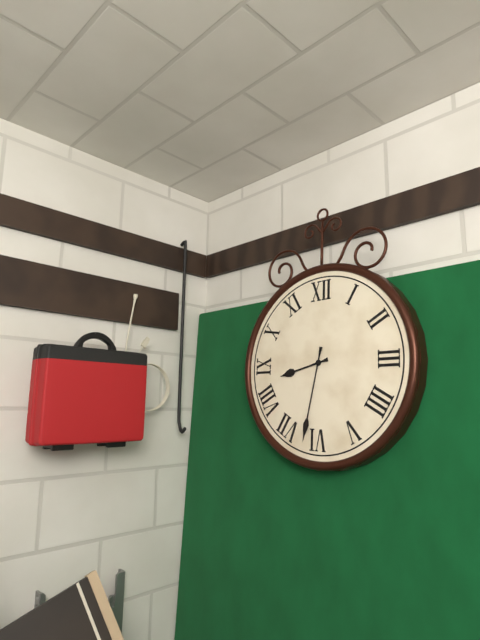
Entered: {"hour": 8, "minute": 32}
